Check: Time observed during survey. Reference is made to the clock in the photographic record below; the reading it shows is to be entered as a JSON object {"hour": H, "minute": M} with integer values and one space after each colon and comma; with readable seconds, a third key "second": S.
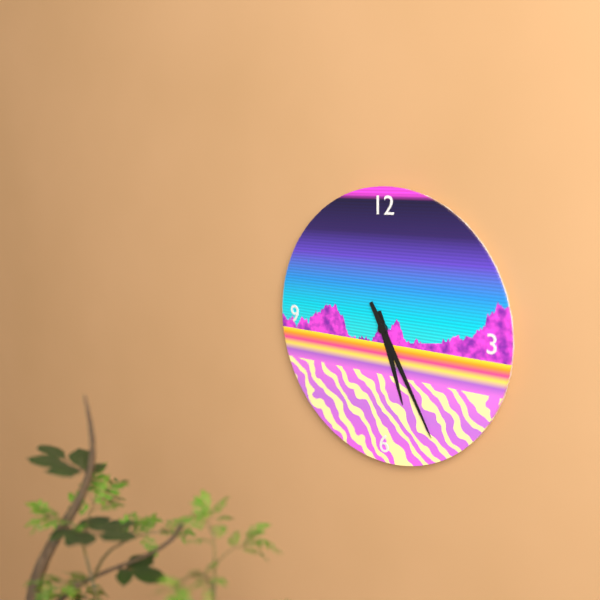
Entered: {"hour": 5, "minute": 25}
